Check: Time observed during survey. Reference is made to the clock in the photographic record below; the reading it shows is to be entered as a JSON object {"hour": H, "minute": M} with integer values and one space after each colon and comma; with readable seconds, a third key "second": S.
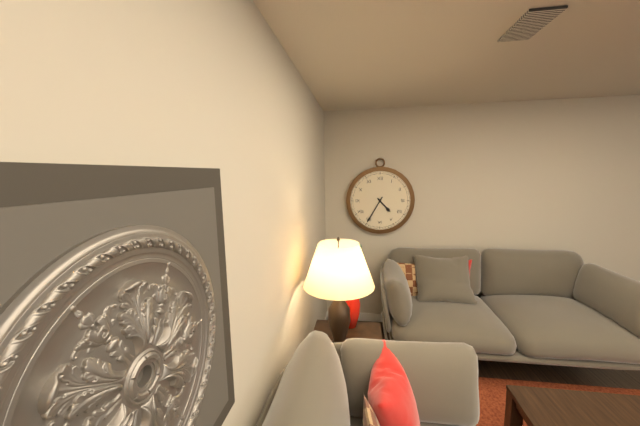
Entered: {"hour": 4, "minute": 35}
